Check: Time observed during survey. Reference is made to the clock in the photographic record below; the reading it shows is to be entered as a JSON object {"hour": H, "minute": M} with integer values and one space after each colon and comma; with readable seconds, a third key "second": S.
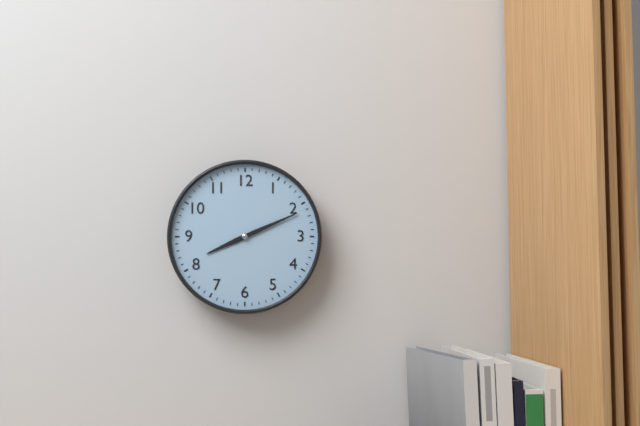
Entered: {"hour": 8, "minute": 11}
